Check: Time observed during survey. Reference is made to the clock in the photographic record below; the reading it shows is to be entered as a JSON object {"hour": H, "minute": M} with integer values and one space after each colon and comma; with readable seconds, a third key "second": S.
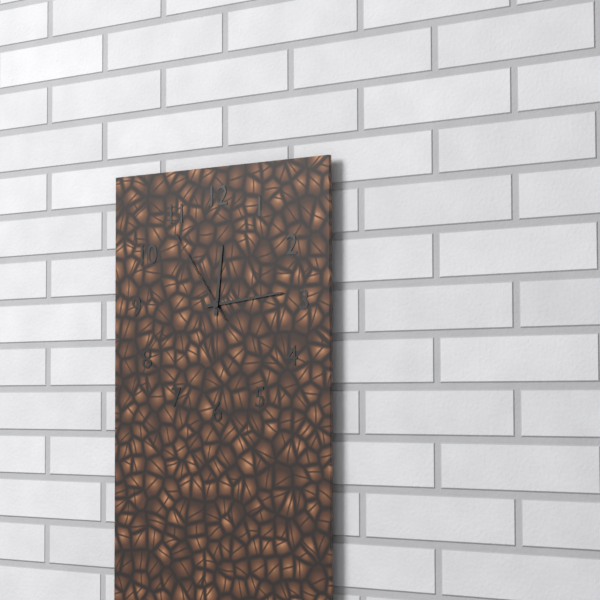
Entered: {"hour": 12, "minute": 14, "second": 54}
